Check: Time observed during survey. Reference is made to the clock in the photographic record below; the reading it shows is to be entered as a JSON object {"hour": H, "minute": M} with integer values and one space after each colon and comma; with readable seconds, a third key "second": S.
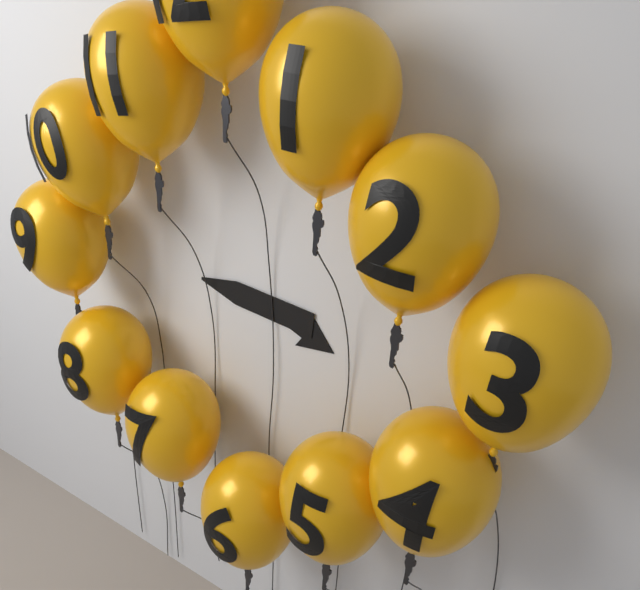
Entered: {"hour": 3, "minute": 46}
